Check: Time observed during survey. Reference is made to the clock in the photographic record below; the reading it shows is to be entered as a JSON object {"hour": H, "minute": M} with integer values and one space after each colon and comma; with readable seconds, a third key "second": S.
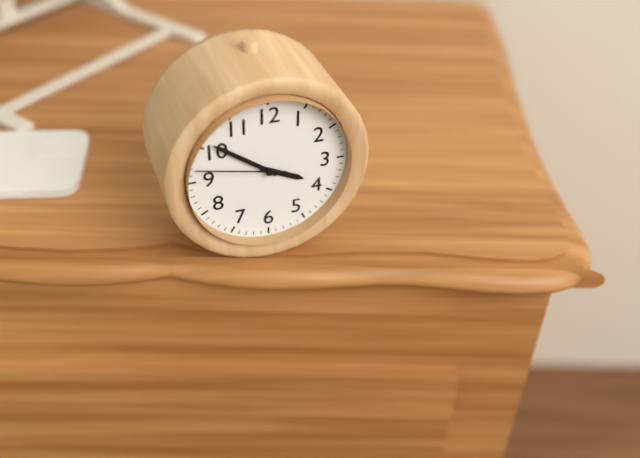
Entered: {"hour": 3, "minute": 51, "second": 47}
